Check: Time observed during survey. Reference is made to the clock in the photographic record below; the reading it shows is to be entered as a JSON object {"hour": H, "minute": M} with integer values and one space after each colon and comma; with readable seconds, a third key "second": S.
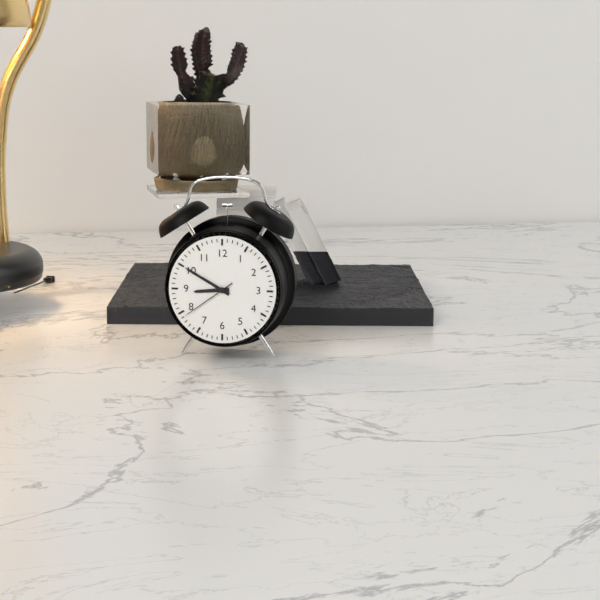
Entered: {"hour": 8, "minute": 50, "second": 39}
